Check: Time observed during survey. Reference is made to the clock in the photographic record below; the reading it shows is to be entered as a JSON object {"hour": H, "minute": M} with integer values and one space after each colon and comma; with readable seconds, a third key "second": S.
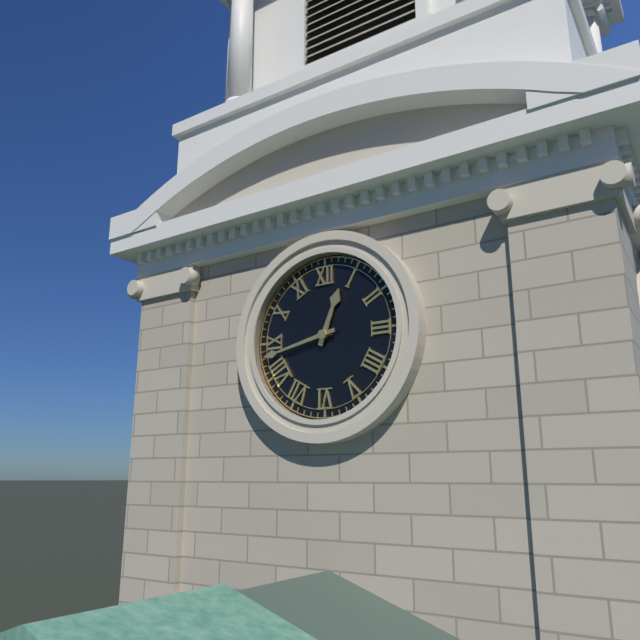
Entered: {"hour": 12, "minute": 43}
